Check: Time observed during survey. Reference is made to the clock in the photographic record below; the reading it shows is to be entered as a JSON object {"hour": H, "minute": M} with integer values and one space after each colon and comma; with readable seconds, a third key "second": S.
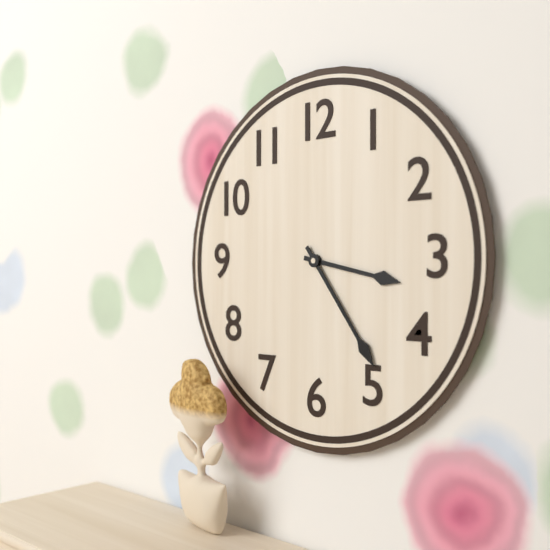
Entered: {"hour": 3, "minute": 24}
